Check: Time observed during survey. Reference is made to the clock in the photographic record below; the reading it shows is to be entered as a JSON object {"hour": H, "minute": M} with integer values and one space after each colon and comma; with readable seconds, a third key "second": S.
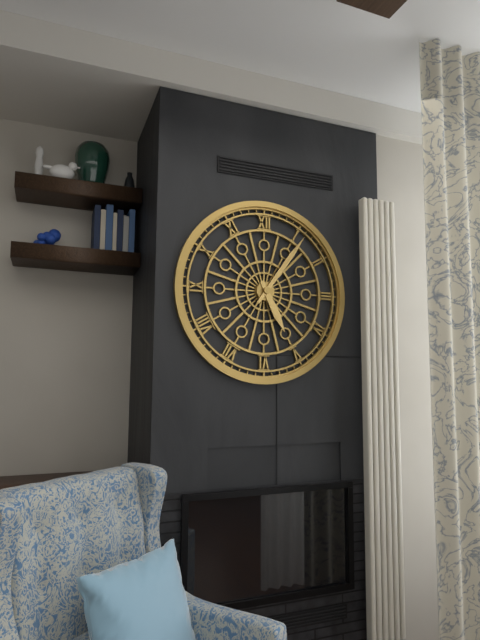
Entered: {"hour": 5, "minute": 6}
